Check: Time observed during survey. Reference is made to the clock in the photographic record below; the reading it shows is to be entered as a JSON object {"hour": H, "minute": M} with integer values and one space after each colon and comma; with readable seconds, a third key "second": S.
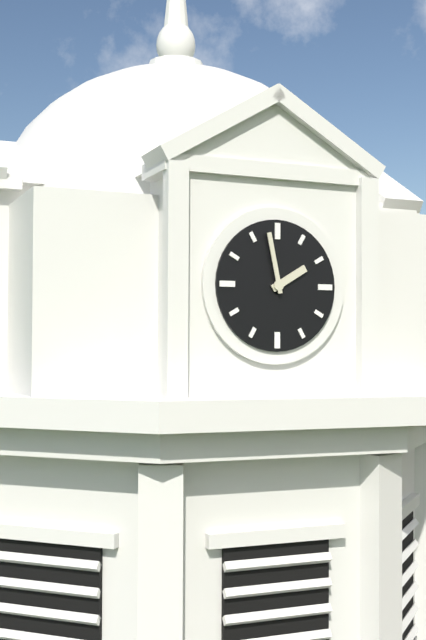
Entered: {"hour": 1, "minute": 58}
